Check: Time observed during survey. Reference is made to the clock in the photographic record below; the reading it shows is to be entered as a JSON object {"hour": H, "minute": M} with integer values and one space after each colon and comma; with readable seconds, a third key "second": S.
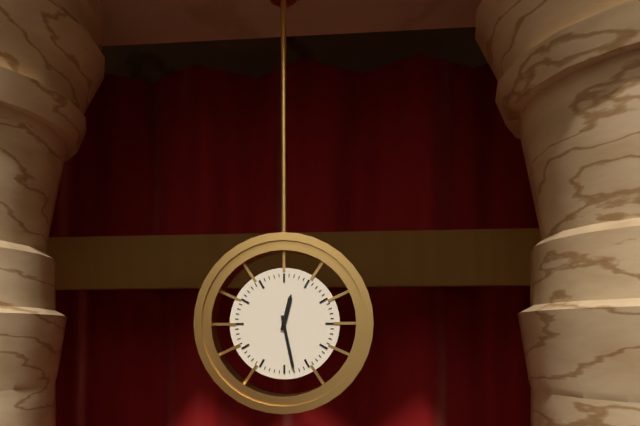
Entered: {"hour": 12, "minute": 28}
